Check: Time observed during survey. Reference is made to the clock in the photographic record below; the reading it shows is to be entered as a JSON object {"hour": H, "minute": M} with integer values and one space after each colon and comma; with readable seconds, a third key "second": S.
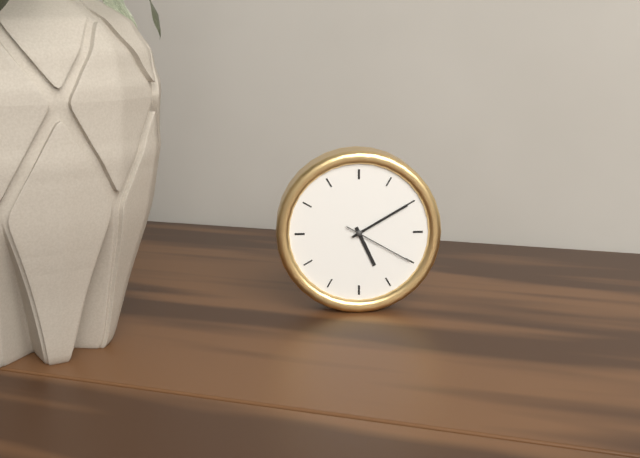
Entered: {"hour": 5, "minute": 10, "second": 20}
